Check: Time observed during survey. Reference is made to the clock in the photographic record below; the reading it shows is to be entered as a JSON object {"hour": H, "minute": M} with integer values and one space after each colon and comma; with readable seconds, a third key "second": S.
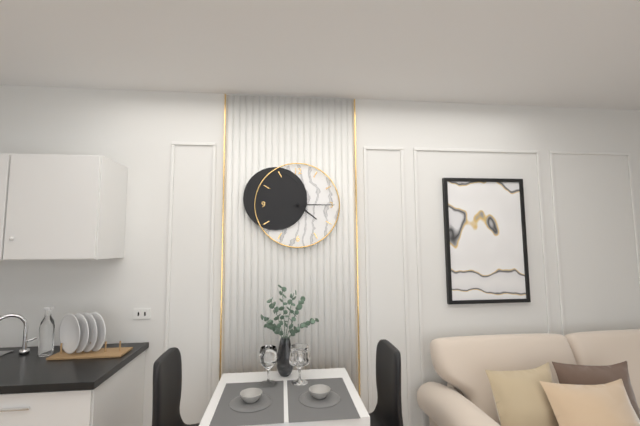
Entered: {"hour": 4, "minute": 15}
